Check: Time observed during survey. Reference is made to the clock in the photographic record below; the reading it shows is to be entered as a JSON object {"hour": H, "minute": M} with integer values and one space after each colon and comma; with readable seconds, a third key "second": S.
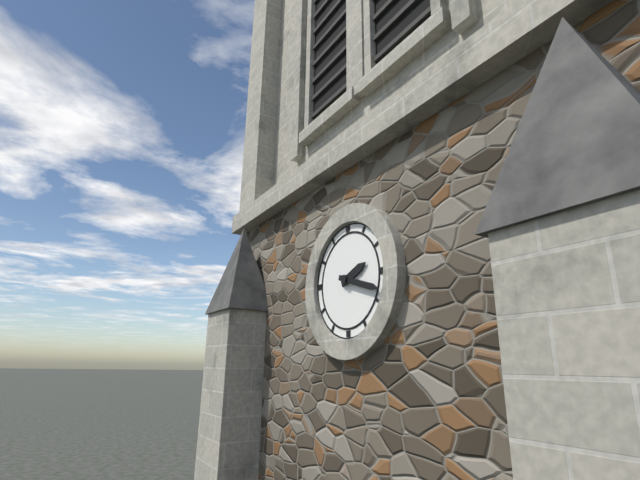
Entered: {"hour": 2, "minute": 18}
